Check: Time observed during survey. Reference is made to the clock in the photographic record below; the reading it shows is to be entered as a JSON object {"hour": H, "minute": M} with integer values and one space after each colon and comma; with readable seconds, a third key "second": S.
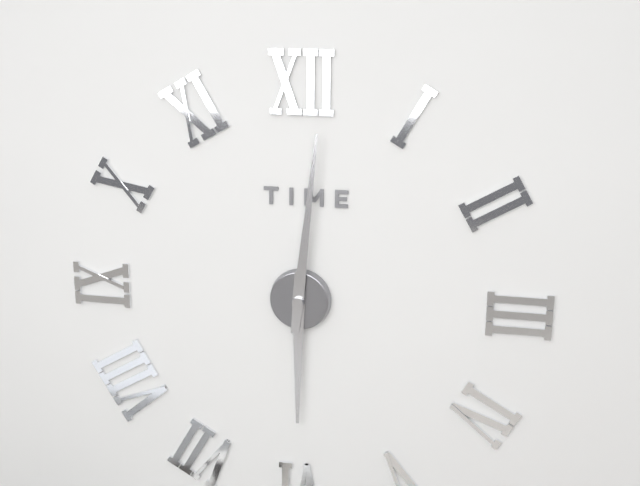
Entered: {"hour": 6, "minute": 1}
